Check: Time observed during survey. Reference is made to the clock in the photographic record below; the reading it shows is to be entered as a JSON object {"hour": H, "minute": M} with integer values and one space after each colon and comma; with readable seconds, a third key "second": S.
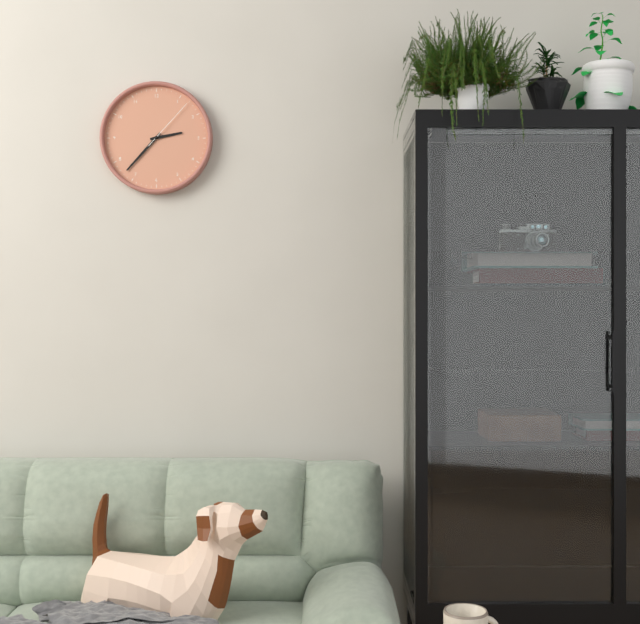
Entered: {"hour": 2, "minute": 37, "second": 7}
